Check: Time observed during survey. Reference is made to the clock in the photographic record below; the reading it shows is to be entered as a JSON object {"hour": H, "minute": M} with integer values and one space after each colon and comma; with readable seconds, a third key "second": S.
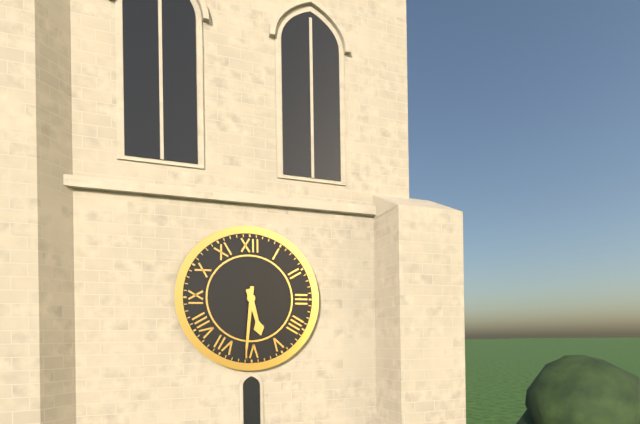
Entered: {"hour": 5, "minute": 31}
